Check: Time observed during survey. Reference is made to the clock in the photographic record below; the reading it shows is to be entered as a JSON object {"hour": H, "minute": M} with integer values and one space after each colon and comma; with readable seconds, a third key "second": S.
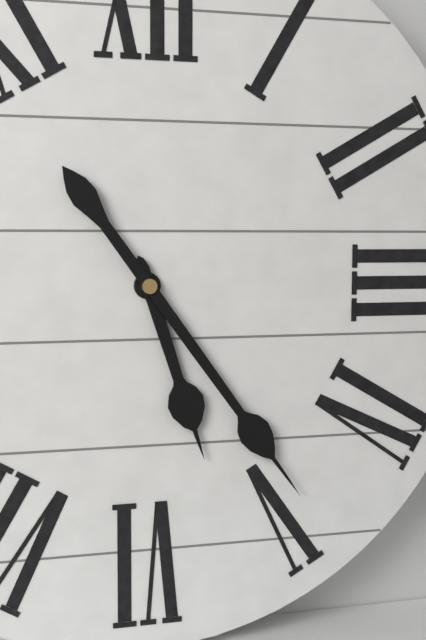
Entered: {"hour": 5, "minute": 24}
